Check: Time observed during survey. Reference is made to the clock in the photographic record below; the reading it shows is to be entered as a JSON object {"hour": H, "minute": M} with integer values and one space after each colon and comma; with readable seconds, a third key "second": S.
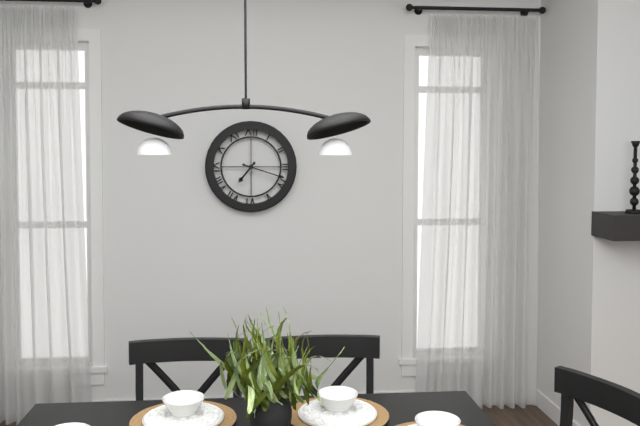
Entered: {"hour": 7, "minute": 18}
